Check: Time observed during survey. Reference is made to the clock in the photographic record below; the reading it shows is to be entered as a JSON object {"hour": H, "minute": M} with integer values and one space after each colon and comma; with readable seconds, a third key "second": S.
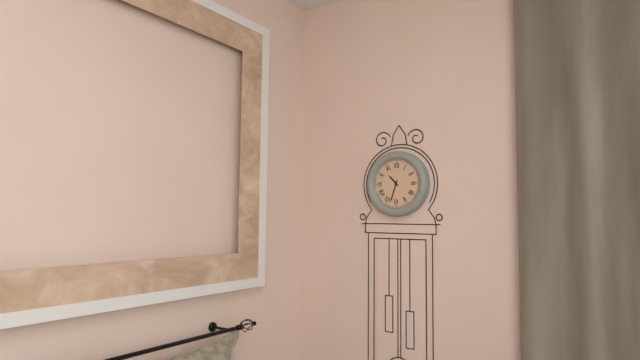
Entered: {"hour": 10, "minute": 33}
